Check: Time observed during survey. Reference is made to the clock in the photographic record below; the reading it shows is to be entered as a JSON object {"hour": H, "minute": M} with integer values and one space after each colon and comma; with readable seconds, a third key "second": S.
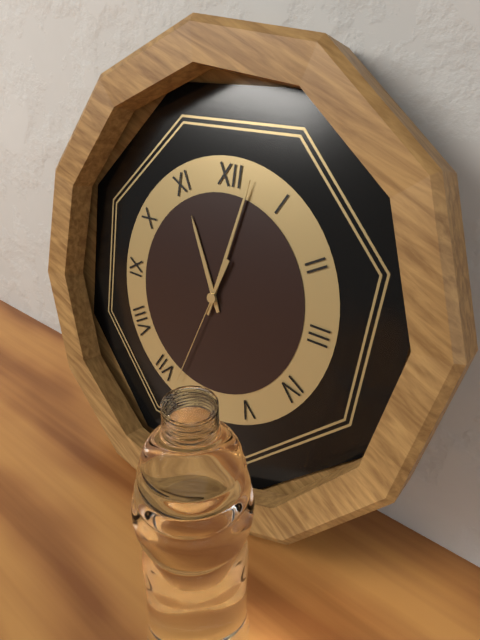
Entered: {"hour": 11, "minute": 2, "second": 33}
